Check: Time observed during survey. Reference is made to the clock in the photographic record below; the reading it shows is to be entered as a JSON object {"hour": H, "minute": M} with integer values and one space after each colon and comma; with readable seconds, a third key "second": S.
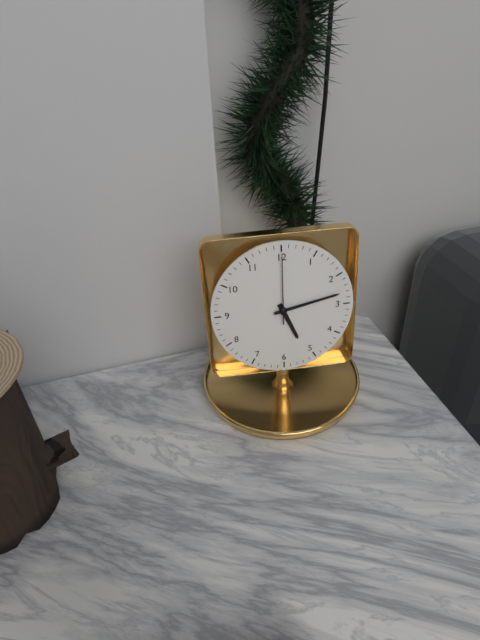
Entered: {"hour": 5, "minute": 13, "second": 0}
